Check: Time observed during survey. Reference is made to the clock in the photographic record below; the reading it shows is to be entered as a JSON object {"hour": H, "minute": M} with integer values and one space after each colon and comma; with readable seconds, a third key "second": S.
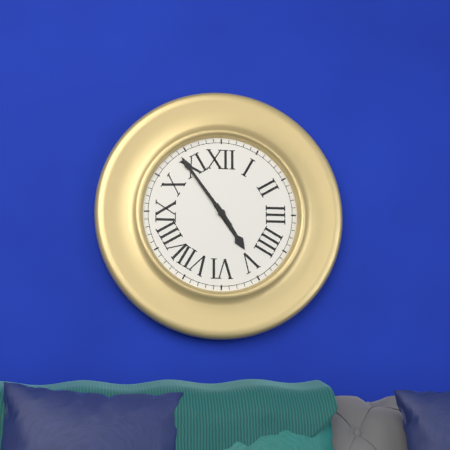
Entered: {"hour": 4, "minute": 54}
